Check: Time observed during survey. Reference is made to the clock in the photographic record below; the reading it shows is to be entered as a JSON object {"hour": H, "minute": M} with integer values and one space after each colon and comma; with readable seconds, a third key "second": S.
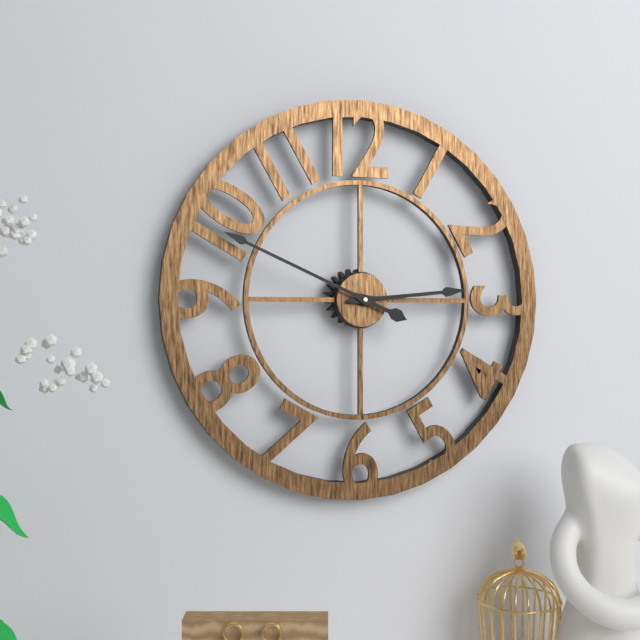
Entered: {"hour": 2, "minute": 49}
